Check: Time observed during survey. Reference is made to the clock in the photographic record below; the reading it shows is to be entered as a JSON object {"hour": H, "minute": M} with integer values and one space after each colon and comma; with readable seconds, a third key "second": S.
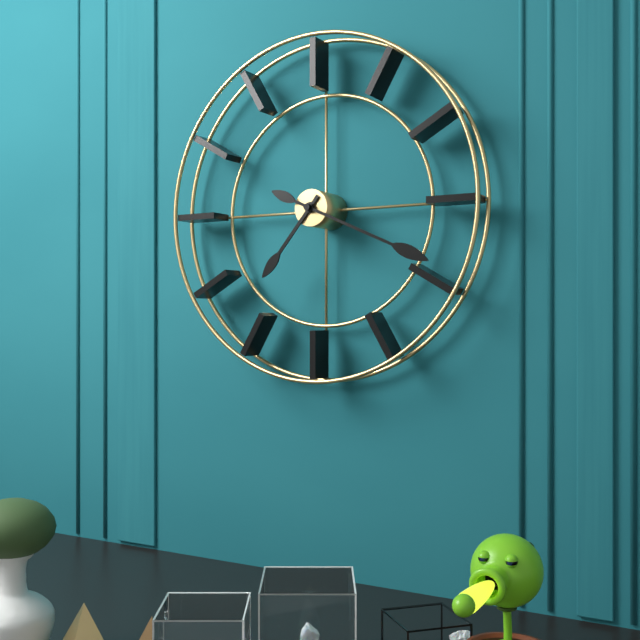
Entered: {"hour": 7, "minute": 19}
